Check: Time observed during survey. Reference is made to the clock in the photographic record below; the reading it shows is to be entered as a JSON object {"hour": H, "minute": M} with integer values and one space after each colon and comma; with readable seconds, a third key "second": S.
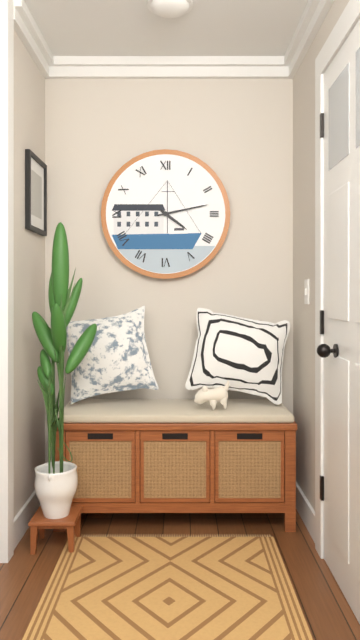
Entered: {"hour": 4, "minute": 13}
